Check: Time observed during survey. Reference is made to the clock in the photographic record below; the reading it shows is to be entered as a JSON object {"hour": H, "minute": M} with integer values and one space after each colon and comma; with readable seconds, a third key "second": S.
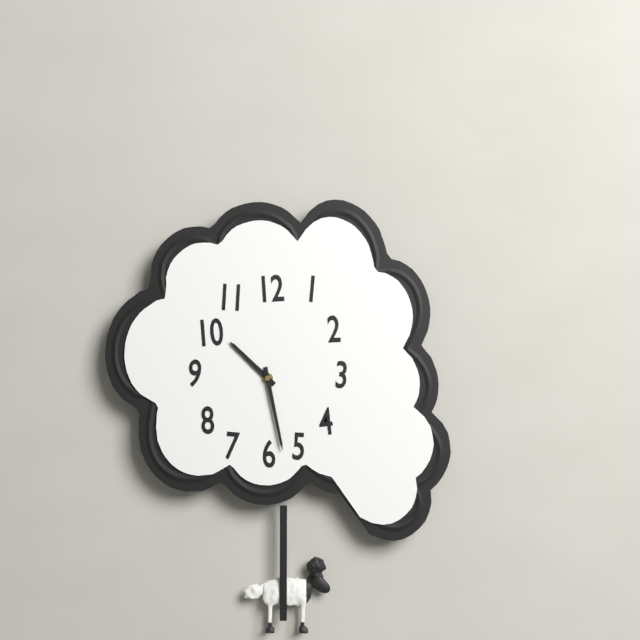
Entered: {"hour": 10, "minute": 28}
